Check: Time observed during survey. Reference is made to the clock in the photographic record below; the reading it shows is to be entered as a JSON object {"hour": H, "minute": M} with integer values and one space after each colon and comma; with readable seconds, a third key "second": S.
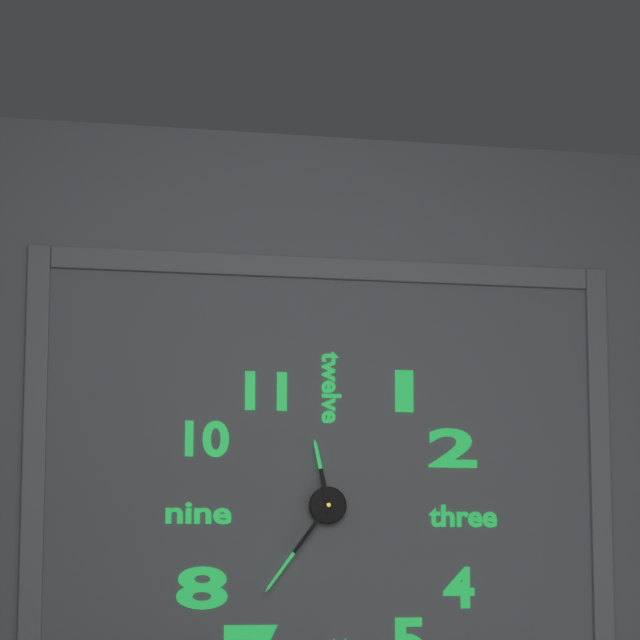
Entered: {"hour": 11, "minute": 36}
